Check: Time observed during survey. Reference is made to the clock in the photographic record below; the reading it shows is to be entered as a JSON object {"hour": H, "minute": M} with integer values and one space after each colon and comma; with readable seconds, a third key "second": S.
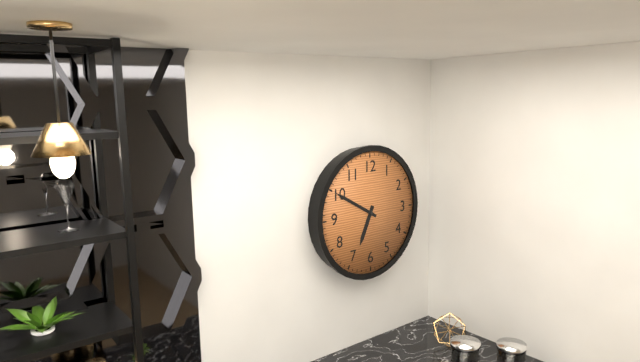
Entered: {"hour": 6, "minute": 50}
